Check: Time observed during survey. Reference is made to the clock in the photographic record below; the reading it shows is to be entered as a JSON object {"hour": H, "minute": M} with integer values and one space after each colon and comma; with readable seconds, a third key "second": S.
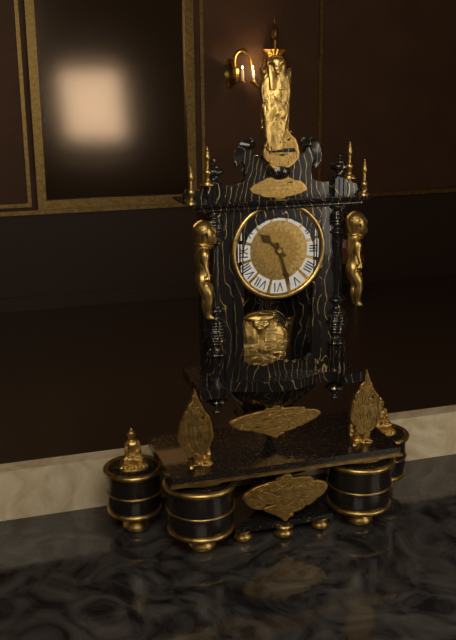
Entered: {"hour": 10, "minute": 27}
